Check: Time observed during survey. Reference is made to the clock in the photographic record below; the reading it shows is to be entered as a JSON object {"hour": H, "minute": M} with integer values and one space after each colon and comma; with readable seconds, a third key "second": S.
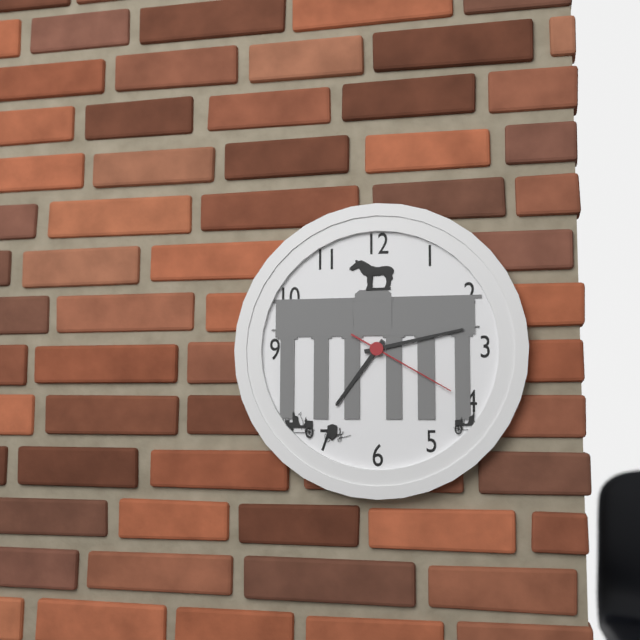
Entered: {"hour": 7, "minute": 13, "second": 20}
